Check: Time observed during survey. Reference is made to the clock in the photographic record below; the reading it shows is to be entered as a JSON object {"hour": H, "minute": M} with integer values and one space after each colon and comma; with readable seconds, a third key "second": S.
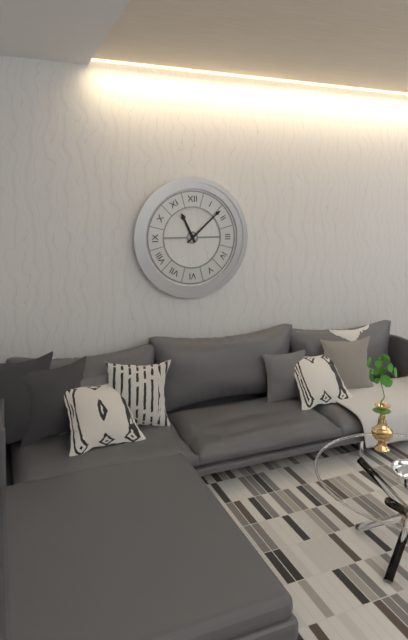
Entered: {"hour": 11, "minute": 8}
